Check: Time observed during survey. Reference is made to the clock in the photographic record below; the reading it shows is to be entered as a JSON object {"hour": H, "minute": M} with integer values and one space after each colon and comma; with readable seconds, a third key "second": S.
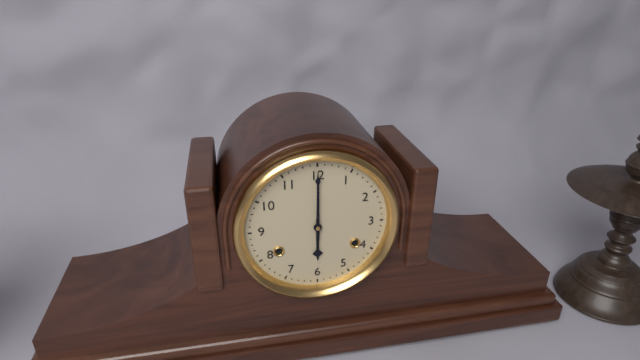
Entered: {"hour": 6, "minute": 0}
